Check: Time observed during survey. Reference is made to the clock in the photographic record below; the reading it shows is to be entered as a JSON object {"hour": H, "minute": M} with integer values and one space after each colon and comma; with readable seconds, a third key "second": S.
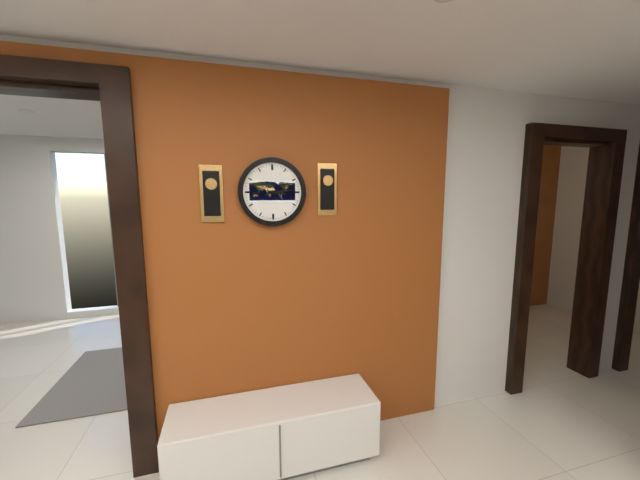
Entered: {"hour": 3, "minute": 14}
